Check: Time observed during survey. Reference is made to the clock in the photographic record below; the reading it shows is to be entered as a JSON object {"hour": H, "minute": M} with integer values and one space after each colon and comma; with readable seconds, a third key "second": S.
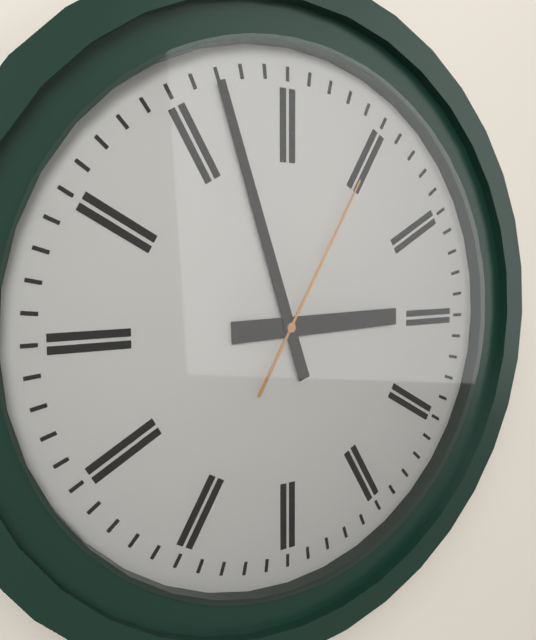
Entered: {"hour": 2, "minute": 57, "second": 5}
